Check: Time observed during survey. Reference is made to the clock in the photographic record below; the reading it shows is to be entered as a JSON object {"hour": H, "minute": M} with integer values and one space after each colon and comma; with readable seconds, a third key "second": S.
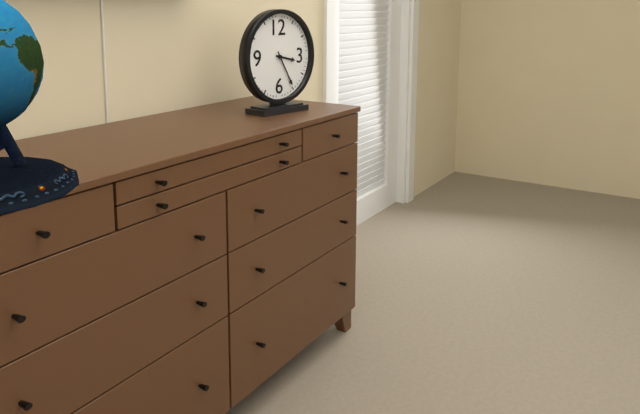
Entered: {"hour": 3, "minute": 25}
